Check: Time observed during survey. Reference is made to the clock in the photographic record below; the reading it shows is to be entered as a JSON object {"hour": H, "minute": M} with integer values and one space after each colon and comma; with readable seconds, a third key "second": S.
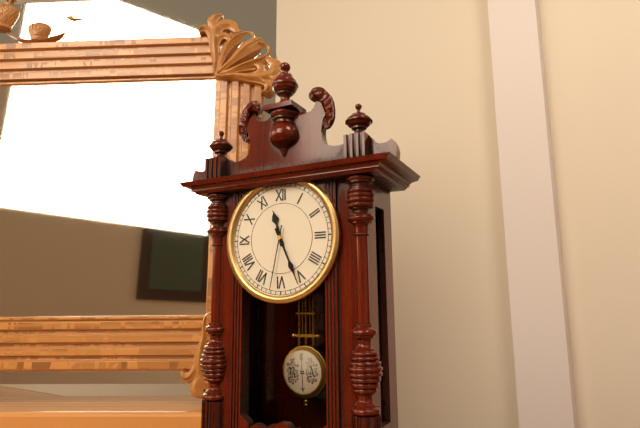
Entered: {"hour": 11, "minute": 26, "second": 32}
